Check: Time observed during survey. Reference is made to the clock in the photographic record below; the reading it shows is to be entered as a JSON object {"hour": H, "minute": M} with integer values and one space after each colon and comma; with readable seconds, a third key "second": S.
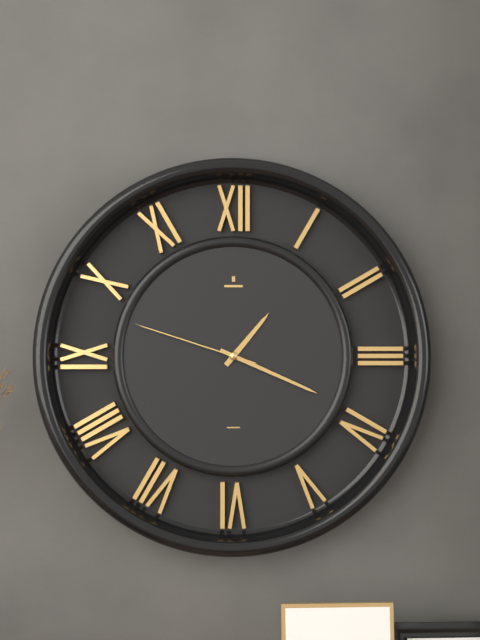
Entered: {"hour": 1, "minute": 19, "second": 48}
